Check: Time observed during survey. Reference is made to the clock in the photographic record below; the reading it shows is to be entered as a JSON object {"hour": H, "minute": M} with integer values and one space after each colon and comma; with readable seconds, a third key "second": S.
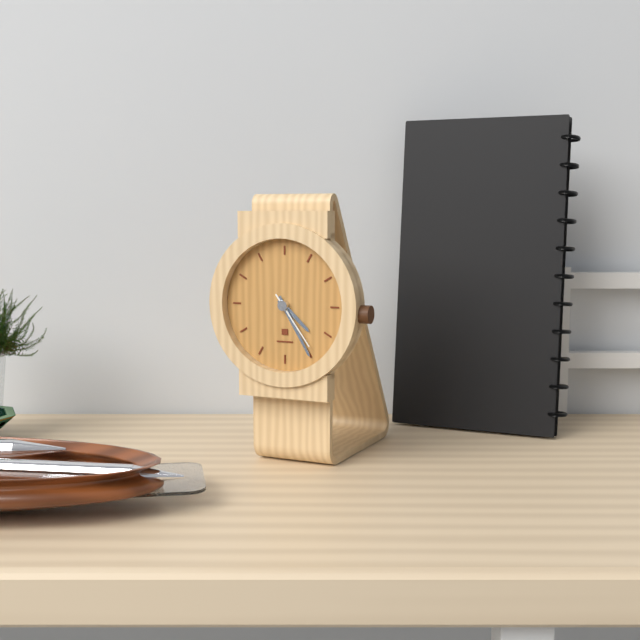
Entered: {"hour": 4, "minute": 25, "second": 24}
